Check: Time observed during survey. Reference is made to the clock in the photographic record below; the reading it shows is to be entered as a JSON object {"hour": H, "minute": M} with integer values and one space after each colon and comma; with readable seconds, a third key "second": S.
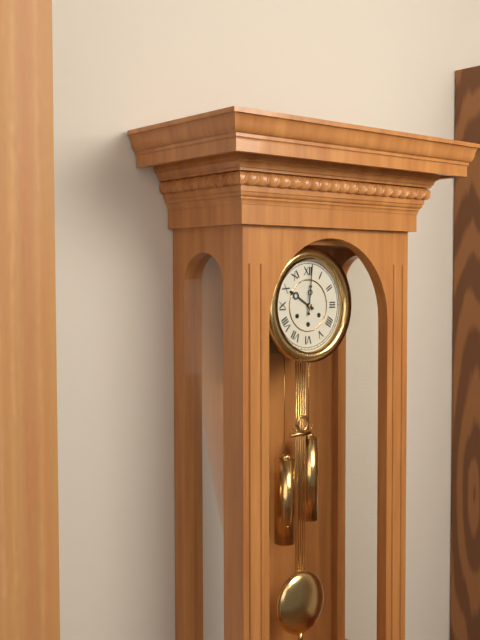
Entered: {"hour": 10, "minute": 1}
